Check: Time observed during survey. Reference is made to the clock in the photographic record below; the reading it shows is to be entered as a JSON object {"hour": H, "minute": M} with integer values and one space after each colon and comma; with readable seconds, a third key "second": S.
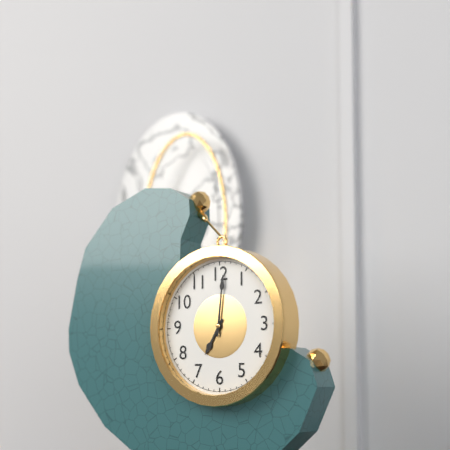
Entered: {"hour": 7, "minute": 1}
